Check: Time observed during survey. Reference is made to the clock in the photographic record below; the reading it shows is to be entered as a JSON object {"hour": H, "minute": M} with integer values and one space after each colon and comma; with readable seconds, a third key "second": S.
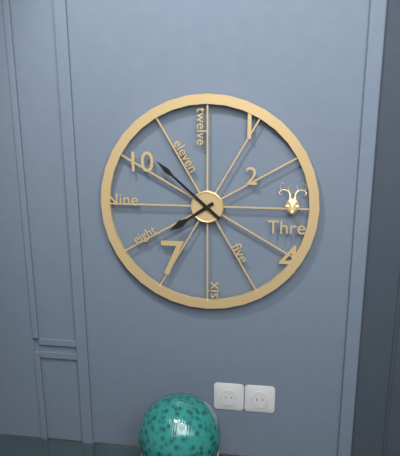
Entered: {"hour": 7, "minute": 52}
